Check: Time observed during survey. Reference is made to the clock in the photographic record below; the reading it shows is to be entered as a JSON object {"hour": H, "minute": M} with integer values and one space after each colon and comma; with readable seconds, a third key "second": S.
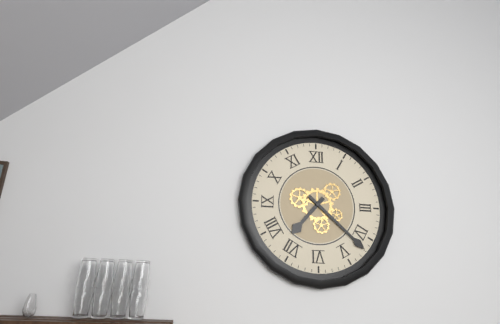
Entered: {"hour": 7, "minute": 22}
